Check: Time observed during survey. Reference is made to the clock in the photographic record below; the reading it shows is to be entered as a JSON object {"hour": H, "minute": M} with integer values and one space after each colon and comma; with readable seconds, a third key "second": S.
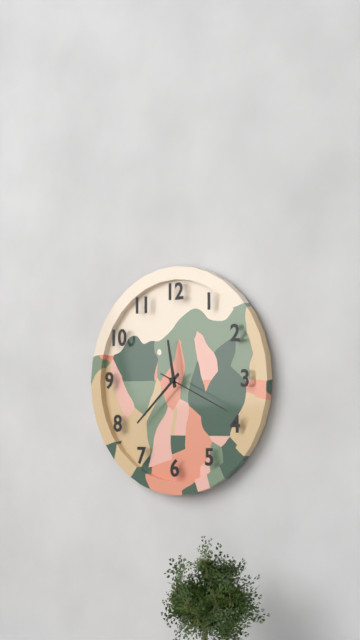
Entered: {"hour": 11, "minute": 38, "second": 19}
